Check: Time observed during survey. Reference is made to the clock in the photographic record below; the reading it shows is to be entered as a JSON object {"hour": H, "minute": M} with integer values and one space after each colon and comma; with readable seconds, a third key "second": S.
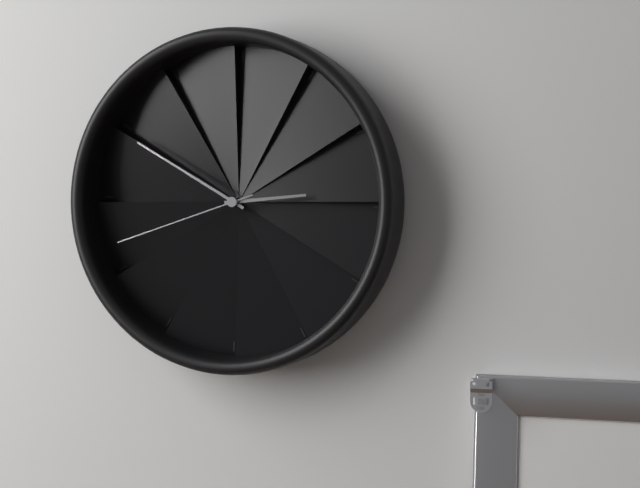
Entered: {"hour": 2, "minute": 50, "second": 42}
